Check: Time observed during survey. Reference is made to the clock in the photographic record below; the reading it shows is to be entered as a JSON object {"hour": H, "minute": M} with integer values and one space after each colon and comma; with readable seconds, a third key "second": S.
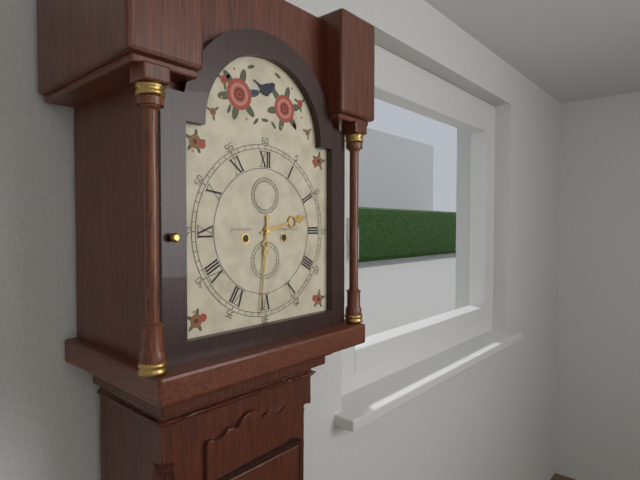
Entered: {"hour": 2, "minute": 31}
